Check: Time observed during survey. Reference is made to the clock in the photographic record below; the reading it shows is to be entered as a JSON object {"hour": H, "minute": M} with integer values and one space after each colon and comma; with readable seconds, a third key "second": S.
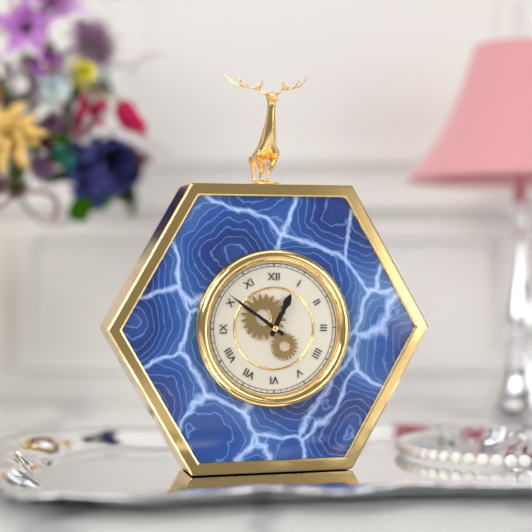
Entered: {"hour": 12, "minute": 51}
